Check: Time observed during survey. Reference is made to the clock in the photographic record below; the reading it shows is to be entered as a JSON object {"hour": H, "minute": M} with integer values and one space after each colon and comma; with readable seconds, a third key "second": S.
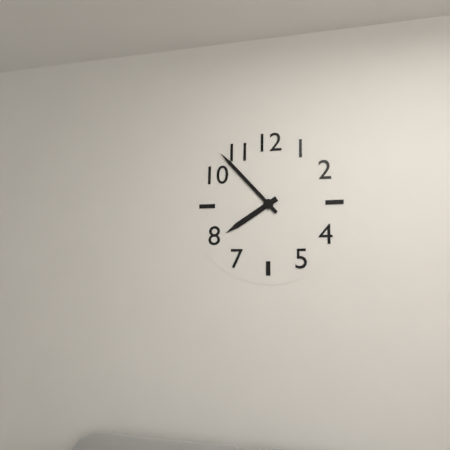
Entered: {"hour": 7, "minute": 53}
